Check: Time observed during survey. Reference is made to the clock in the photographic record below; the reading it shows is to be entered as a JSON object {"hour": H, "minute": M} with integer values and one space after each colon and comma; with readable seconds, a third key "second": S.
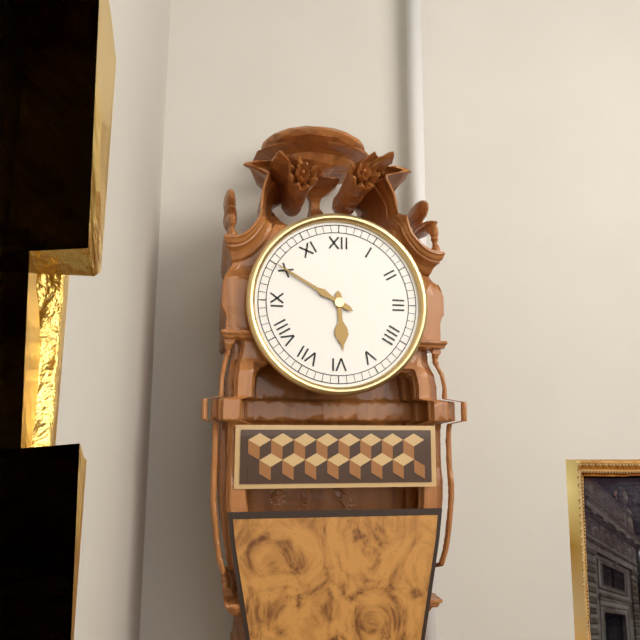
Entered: {"hour": 5, "minute": 50}
